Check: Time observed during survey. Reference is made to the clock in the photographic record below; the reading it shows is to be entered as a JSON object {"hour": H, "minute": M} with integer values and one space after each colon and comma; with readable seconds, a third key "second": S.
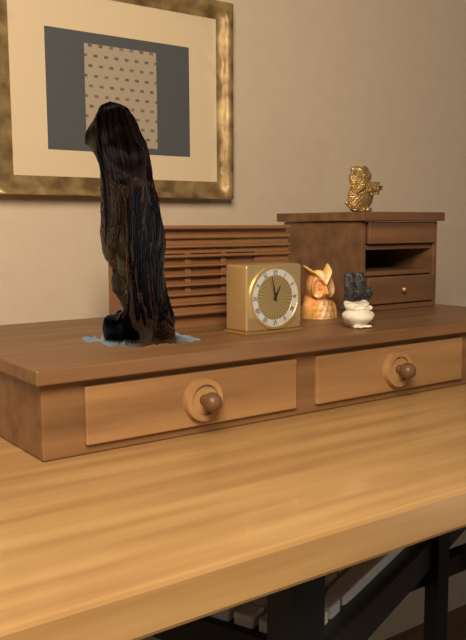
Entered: {"hour": 12, "minute": 58}
